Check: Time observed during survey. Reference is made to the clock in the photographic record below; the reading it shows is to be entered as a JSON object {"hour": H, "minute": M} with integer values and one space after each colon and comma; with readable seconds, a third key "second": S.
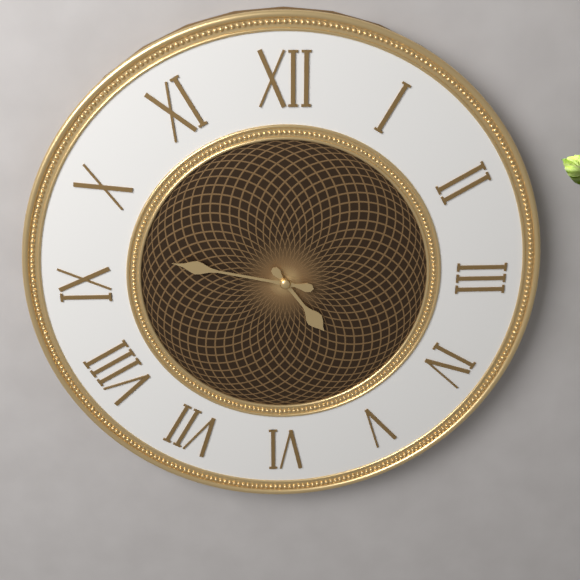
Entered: {"hour": 4, "minute": 47}
